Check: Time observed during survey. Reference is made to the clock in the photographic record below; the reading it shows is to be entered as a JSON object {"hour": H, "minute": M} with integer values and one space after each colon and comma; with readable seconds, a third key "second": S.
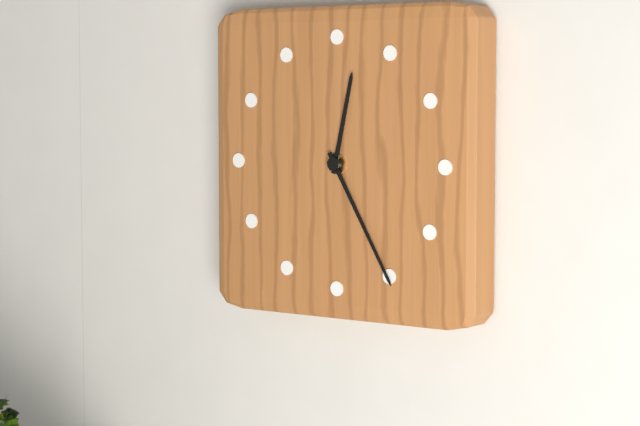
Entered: {"hour": 12, "minute": 25}
